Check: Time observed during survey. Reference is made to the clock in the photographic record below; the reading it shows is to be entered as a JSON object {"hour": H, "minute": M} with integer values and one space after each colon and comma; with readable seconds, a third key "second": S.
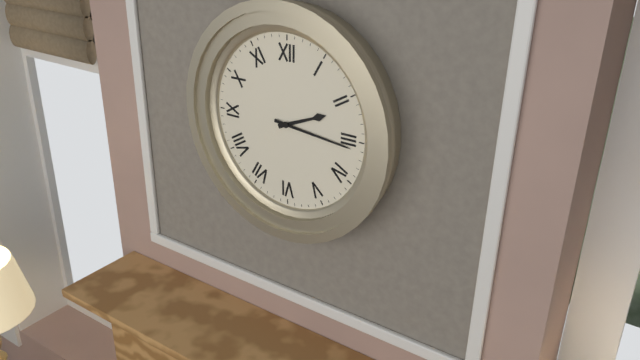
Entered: {"hour": 2, "minute": 16}
